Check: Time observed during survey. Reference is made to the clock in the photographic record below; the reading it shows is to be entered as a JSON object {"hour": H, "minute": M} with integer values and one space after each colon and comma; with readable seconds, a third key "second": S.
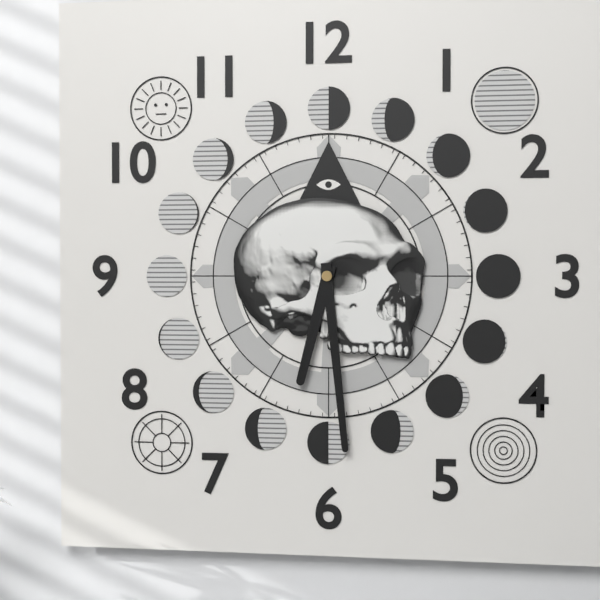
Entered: {"hour": 6, "minute": 29}
